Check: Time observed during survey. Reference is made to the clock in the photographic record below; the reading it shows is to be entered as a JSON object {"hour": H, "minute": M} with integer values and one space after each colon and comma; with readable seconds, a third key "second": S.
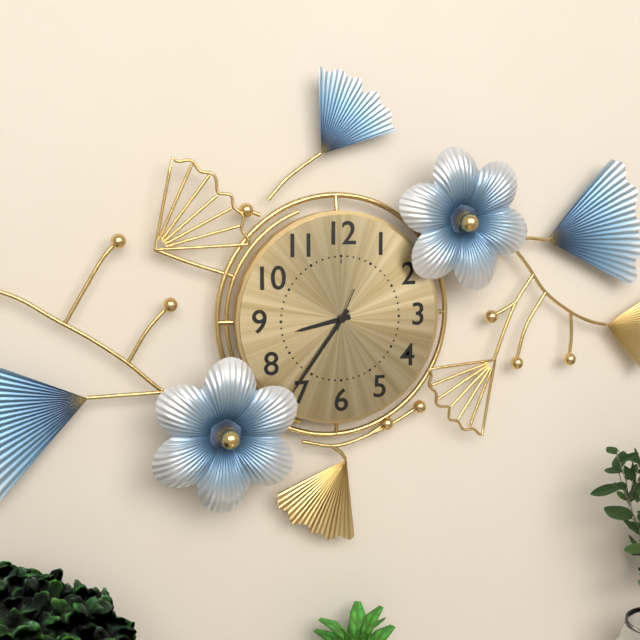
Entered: {"hour": 8, "minute": 36}
